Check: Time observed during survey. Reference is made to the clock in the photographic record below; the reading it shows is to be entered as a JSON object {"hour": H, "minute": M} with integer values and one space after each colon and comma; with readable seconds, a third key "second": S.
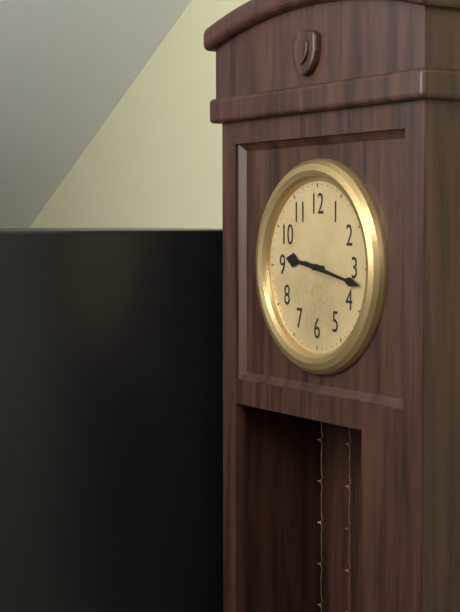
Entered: {"hour": 9, "minute": 17}
